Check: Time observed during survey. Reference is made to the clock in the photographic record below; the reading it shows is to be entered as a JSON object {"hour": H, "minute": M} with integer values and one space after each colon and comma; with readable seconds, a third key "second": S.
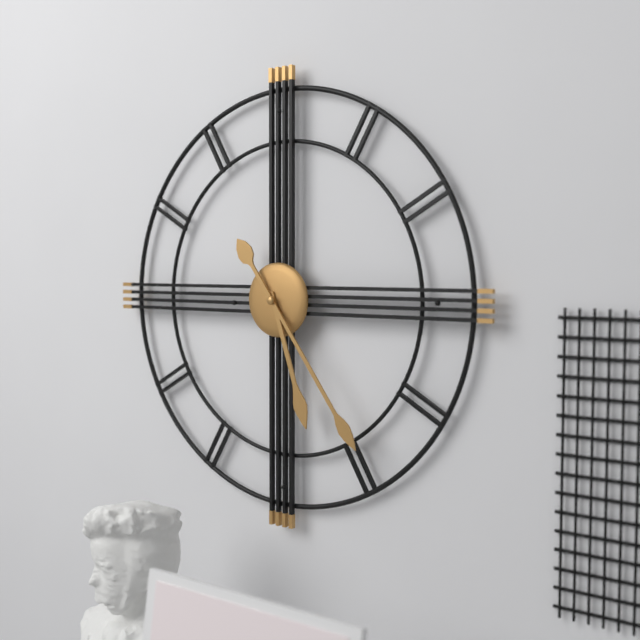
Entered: {"hour": 5, "minute": 24}
